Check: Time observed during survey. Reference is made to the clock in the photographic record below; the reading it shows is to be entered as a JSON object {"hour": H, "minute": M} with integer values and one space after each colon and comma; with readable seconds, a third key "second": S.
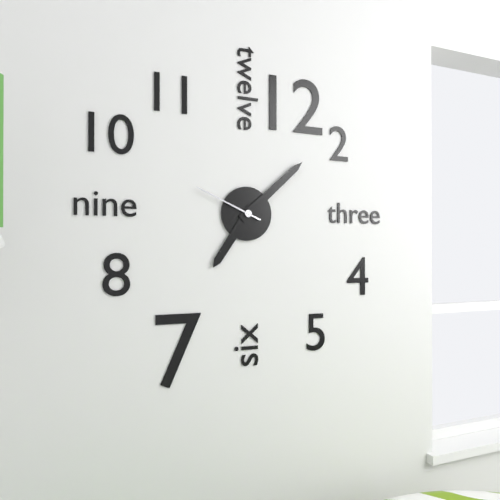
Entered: {"hour": 7, "minute": 8, "second": 49}
